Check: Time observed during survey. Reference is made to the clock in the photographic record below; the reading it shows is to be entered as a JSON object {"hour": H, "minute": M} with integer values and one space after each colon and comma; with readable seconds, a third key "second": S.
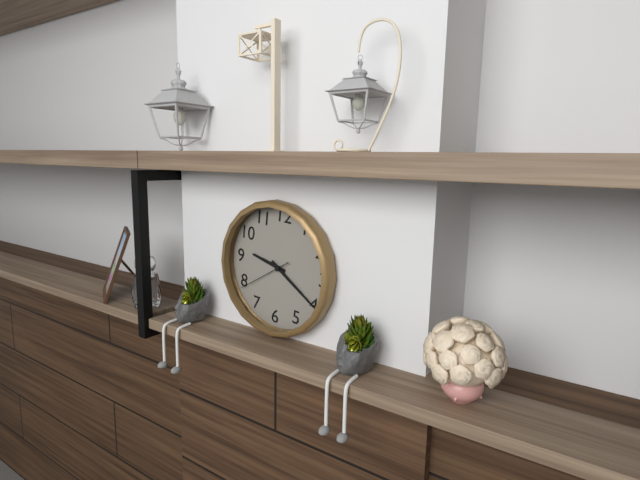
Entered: {"hour": 9, "minute": 20, "second": 39}
